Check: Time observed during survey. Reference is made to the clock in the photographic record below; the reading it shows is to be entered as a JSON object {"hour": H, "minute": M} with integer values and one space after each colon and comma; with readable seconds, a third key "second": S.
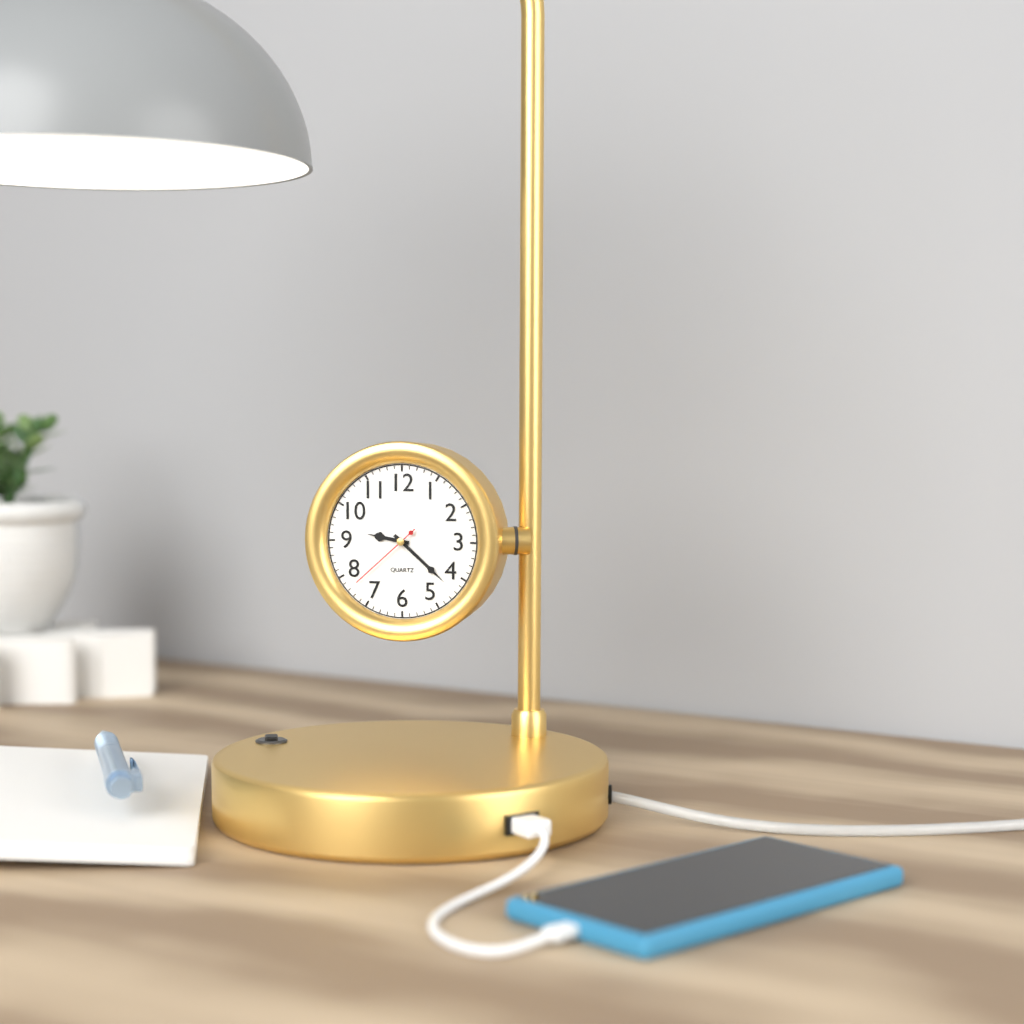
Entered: {"hour": 9, "minute": 22, "second": 38}
